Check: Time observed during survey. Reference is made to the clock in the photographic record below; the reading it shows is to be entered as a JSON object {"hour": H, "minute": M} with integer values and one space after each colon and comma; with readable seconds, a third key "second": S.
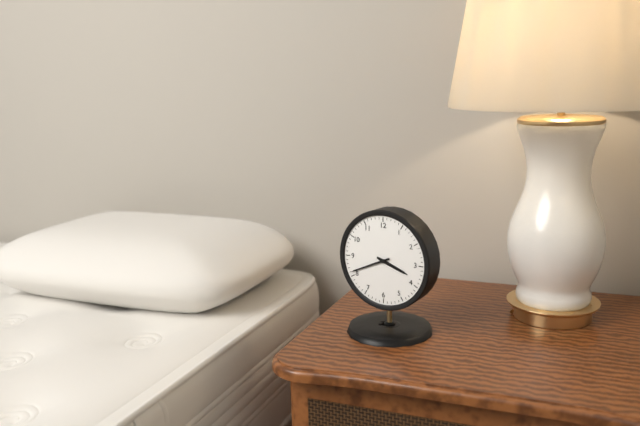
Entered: {"hour": 3, "minute": 41}
